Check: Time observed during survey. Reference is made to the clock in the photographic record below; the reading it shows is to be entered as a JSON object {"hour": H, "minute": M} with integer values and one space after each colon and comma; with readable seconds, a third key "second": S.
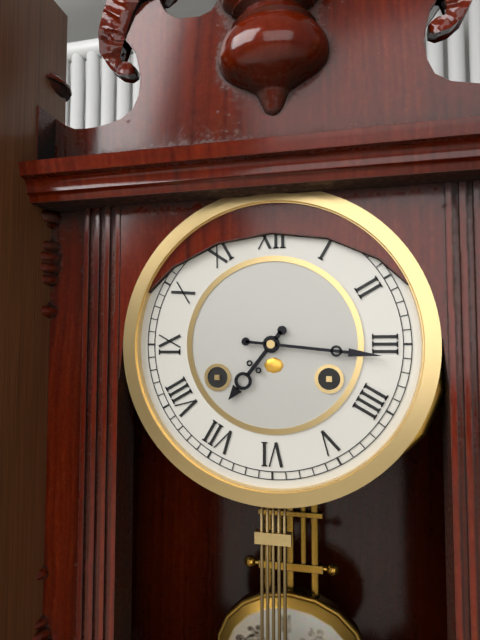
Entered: {"hour": 7, "minute": 16}
